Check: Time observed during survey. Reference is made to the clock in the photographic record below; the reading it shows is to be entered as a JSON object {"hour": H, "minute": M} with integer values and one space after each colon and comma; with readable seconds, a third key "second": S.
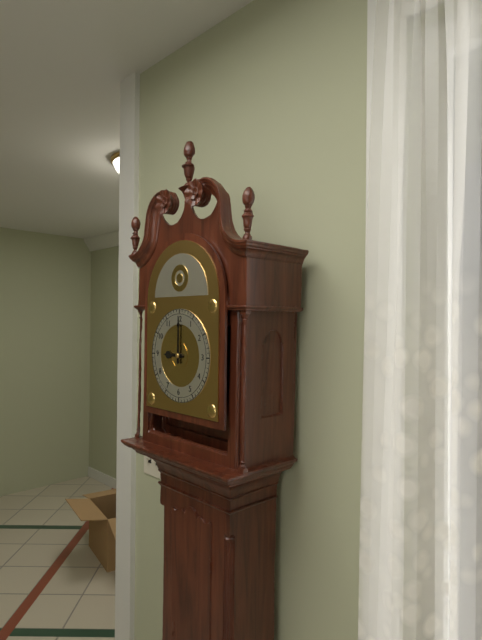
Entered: {"hour": 9, "minute": 0}
